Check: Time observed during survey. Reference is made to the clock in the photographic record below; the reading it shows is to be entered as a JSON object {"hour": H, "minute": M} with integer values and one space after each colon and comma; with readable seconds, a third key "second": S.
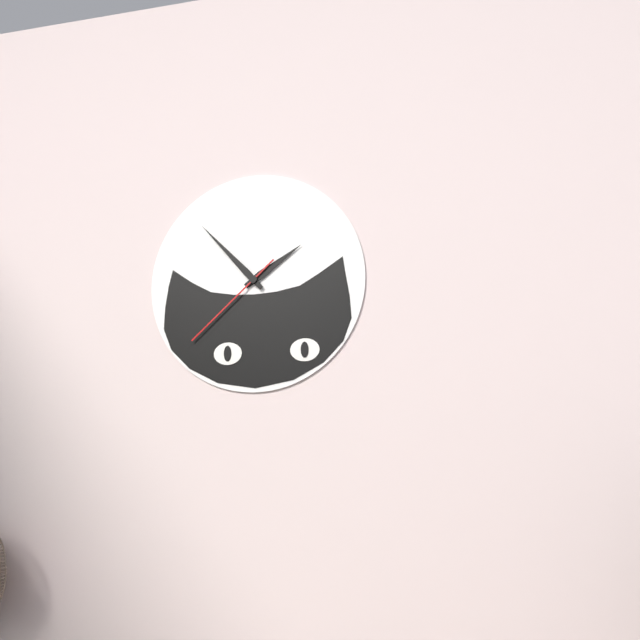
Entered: {"hour": 1, "minute": 53, "second": 38}
